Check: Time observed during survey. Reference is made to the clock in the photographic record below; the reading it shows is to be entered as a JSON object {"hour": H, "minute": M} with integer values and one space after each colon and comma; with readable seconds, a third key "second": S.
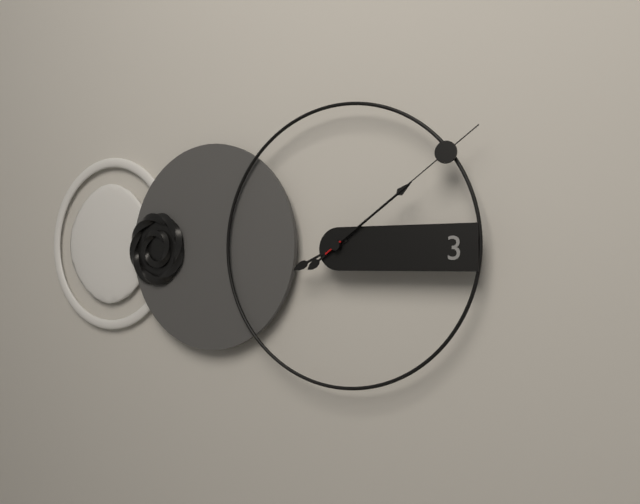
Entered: {"hour": 8, "minute": 9, "second": 9}
